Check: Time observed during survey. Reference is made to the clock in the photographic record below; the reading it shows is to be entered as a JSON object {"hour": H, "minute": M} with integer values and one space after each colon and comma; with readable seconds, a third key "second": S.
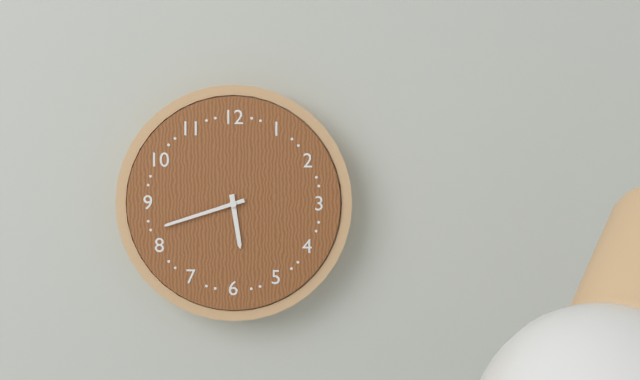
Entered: {"hour": 5, "minute": 42}
